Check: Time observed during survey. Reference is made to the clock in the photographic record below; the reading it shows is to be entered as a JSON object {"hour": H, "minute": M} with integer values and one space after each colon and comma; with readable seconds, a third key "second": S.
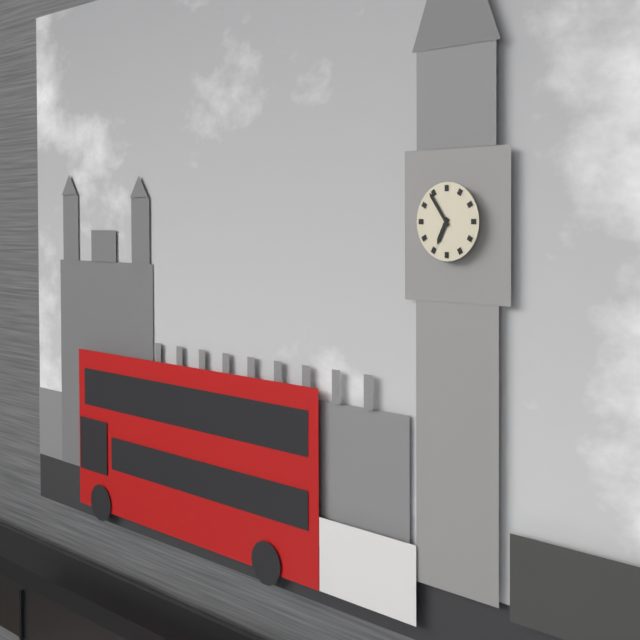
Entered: {"hour": 6, "minute": 54}
